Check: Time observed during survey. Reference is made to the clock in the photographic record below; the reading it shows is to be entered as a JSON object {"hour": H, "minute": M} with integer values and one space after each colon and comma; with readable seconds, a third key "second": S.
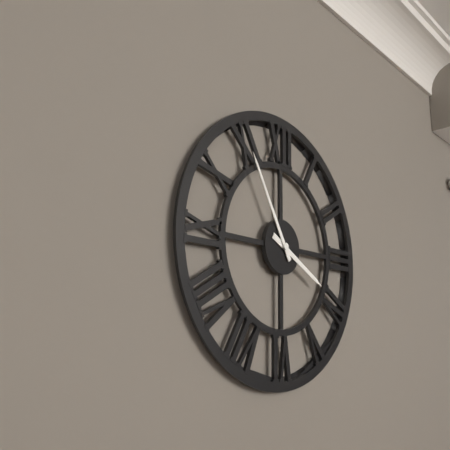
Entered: {"hour": 3, "minute": 55}
